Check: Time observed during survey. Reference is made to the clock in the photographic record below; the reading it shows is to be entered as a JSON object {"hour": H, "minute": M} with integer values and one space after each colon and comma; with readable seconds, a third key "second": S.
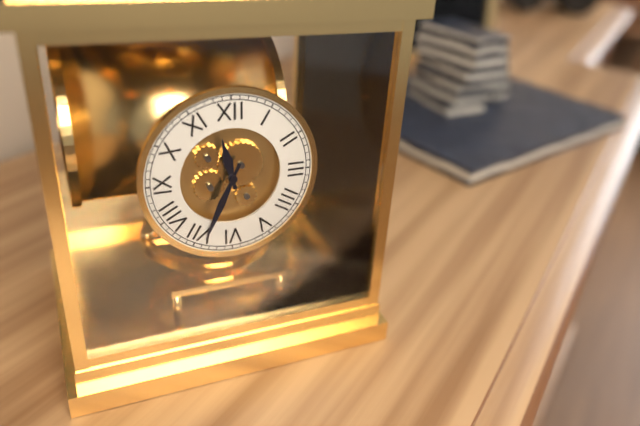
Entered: {"hour": 11, "minute": 34}
